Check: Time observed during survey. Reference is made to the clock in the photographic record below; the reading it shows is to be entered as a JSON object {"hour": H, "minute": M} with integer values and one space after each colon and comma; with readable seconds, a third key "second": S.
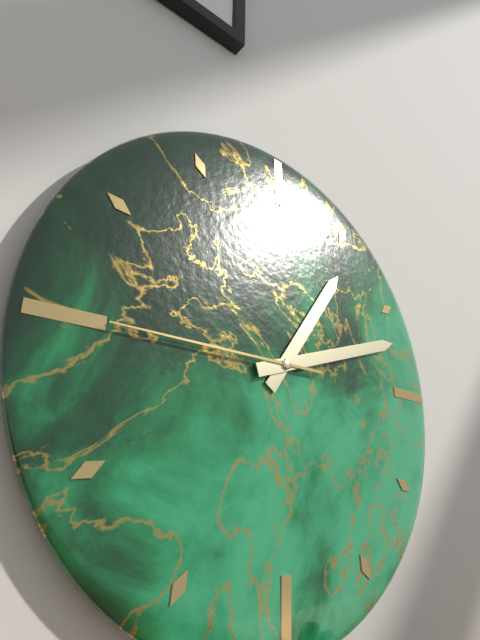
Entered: {"hour": 1, "minute": 12, "second": 45}
